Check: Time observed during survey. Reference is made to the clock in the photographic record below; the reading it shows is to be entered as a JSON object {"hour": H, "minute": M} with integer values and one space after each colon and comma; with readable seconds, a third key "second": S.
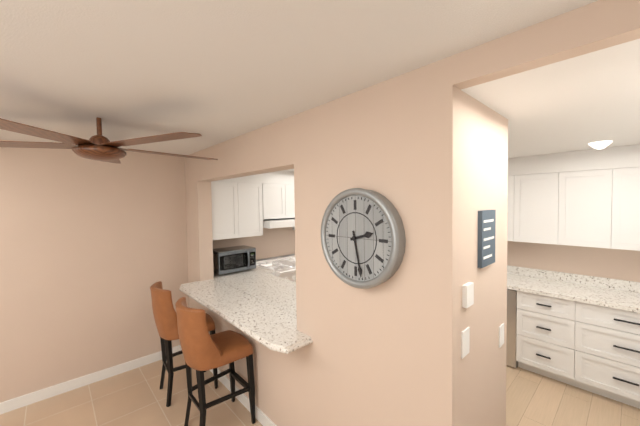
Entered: {"hour": 2, "minute": 28}
